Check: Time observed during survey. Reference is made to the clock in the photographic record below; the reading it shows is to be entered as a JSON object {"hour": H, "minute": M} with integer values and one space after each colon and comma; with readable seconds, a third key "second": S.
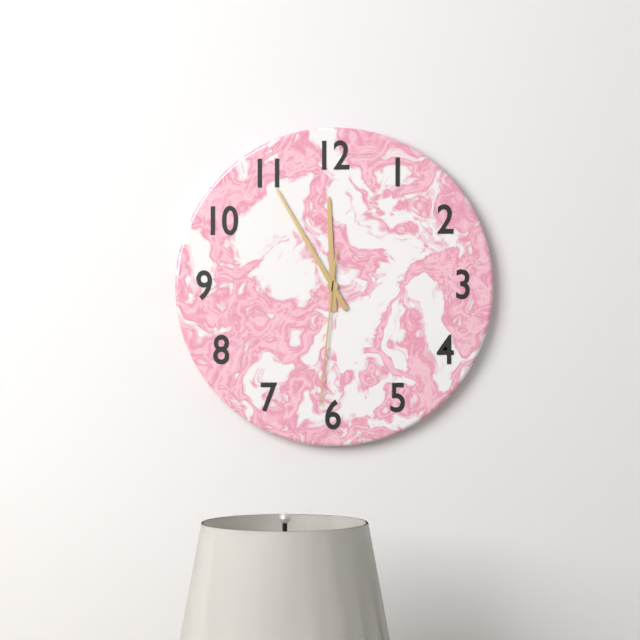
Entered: {"hour": 11, "minute": 55, "second": 31}
